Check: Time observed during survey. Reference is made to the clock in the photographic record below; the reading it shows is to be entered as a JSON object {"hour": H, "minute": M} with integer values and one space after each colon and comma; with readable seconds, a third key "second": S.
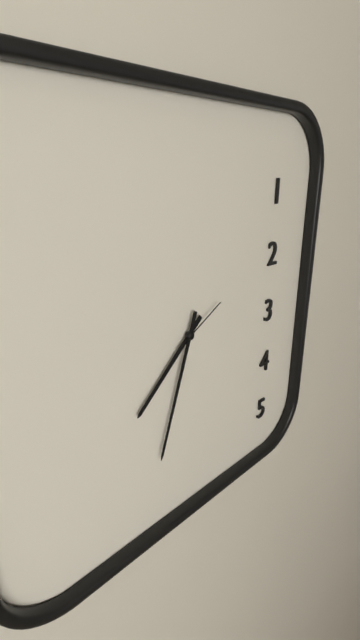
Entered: {"hour": 7, "minute": 33, "second": 10}
